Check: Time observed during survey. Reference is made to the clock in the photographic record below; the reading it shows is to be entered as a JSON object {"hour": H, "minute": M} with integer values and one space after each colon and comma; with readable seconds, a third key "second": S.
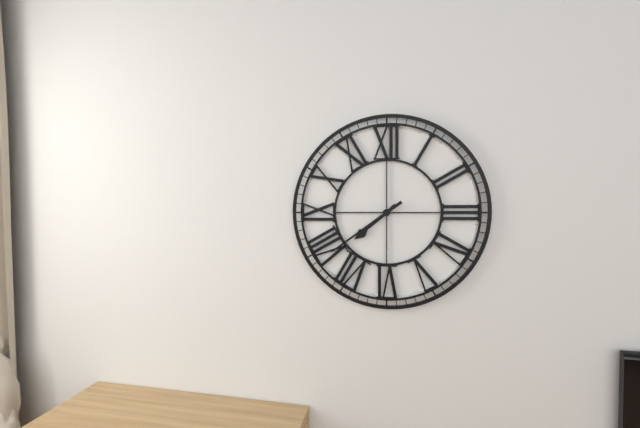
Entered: {"hour": 7, "minute": 39}
